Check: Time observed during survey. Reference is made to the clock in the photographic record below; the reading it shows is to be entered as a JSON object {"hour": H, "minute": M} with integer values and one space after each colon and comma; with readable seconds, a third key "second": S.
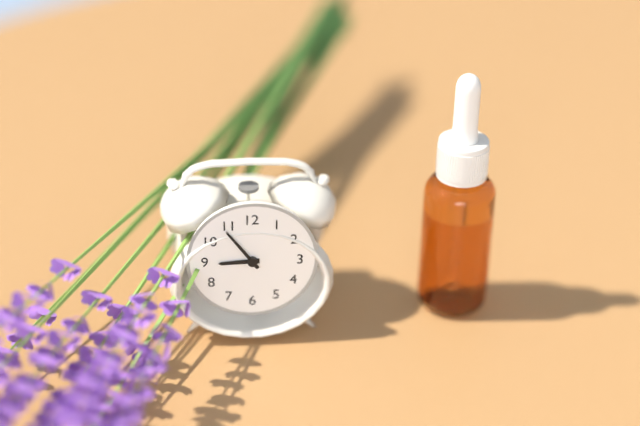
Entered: {"hour": 8, "minute": 54}
